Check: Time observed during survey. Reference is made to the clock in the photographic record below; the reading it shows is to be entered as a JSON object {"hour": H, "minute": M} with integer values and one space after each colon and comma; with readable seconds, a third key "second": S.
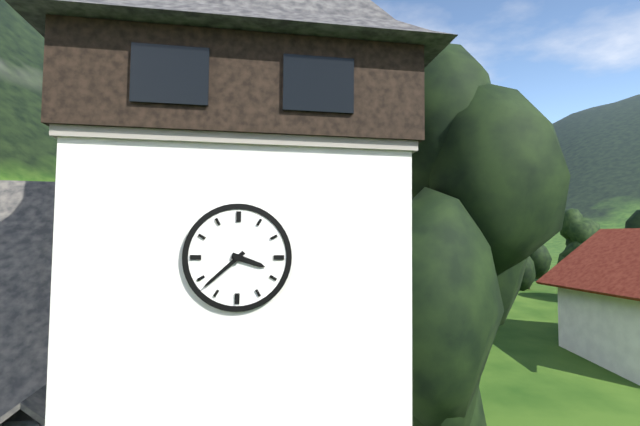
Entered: {"hour": 3, "minute": 38}
